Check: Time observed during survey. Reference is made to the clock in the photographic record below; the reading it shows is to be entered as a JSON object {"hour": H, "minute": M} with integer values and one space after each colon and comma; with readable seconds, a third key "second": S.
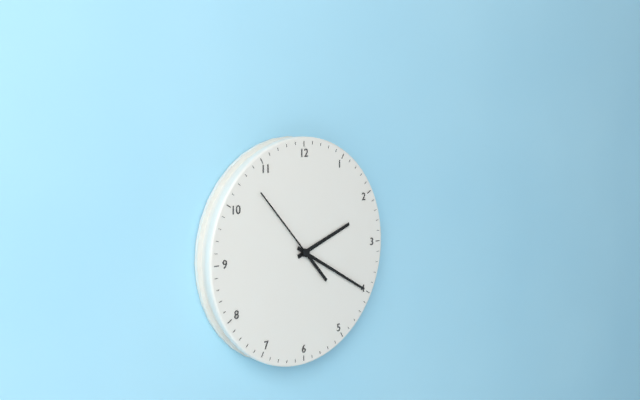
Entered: {"hour": 2, "minute": 20, "second": 53}
